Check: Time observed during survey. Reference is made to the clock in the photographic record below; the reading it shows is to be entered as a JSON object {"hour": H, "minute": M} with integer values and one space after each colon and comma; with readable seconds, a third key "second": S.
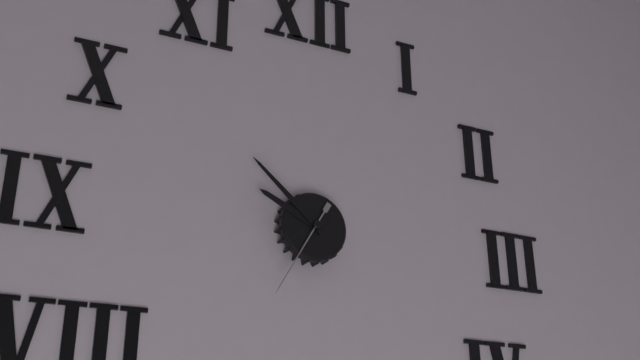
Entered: {"hour": 9, "minute": 52, "second": 35}
